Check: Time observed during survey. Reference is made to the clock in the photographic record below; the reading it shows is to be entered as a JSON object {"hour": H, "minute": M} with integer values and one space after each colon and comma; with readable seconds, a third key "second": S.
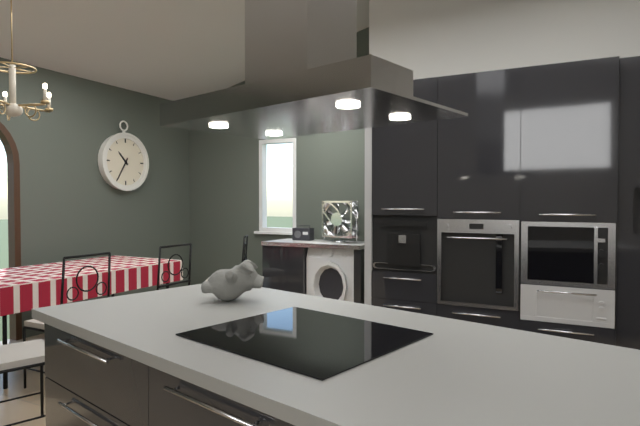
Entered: {"hour": 10, "minute": 35}
